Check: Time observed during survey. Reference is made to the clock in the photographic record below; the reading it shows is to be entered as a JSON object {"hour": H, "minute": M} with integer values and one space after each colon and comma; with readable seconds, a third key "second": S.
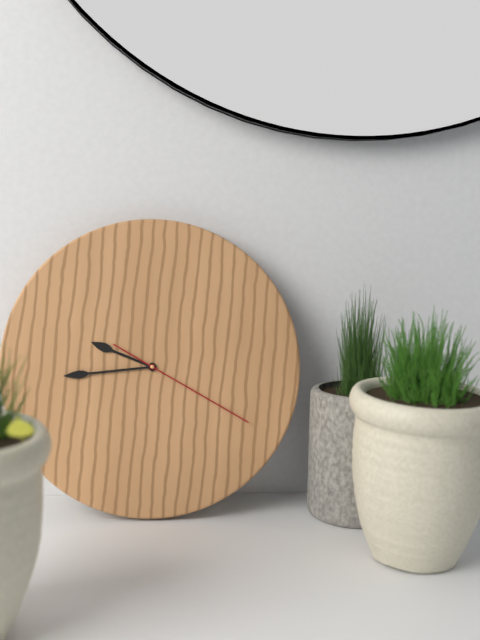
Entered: {"hour": 9, "minute": 44, "second": 20}
